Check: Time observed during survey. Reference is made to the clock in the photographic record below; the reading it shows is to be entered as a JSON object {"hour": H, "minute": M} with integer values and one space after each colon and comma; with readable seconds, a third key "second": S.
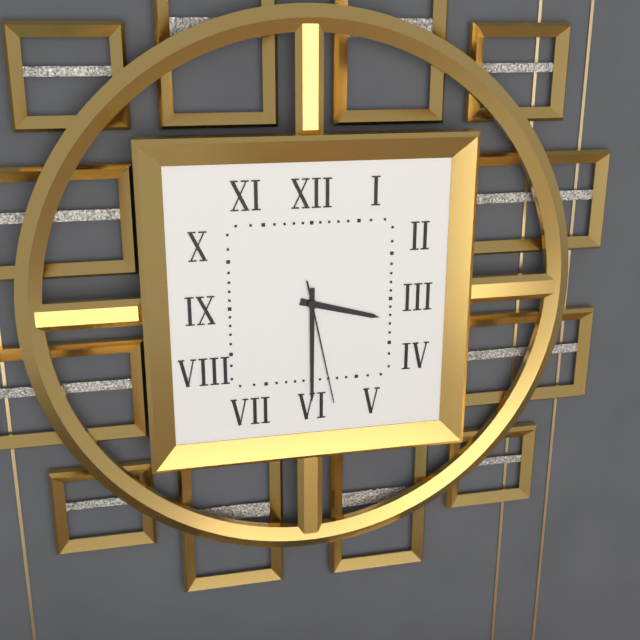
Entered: {"hour": 3, "minute": 30, "second": 28}
